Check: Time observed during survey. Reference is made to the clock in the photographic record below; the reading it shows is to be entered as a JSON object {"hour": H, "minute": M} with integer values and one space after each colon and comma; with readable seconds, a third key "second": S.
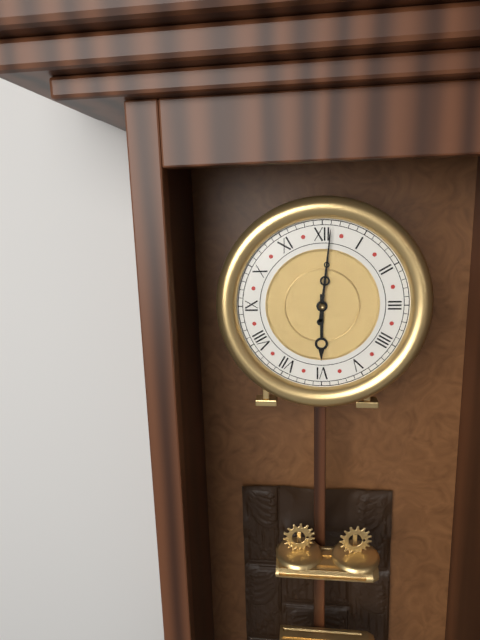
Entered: {"hour": 6, "minute": 1}
